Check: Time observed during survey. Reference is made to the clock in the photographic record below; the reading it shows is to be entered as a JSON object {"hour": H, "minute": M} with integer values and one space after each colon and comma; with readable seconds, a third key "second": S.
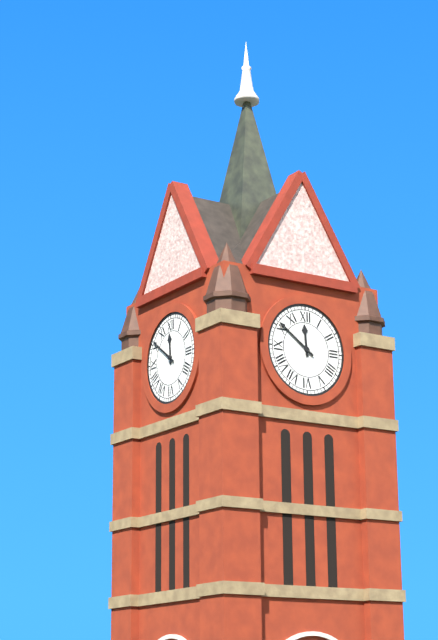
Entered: {"hour": 11, "minute": 51}
